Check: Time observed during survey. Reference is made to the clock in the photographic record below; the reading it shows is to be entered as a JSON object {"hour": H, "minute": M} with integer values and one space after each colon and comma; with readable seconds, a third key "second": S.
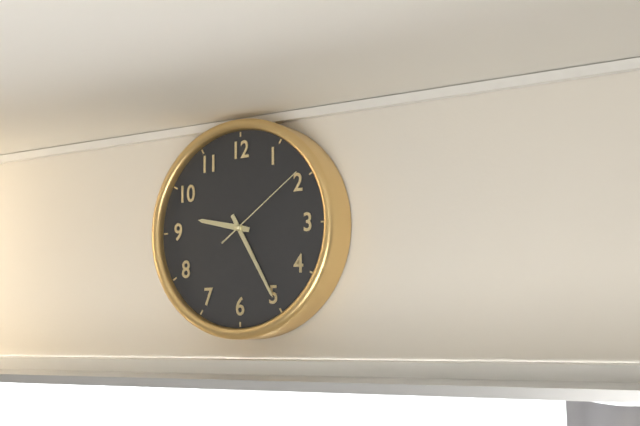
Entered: {"hour": 9, "minute": 25, "second": 9}
